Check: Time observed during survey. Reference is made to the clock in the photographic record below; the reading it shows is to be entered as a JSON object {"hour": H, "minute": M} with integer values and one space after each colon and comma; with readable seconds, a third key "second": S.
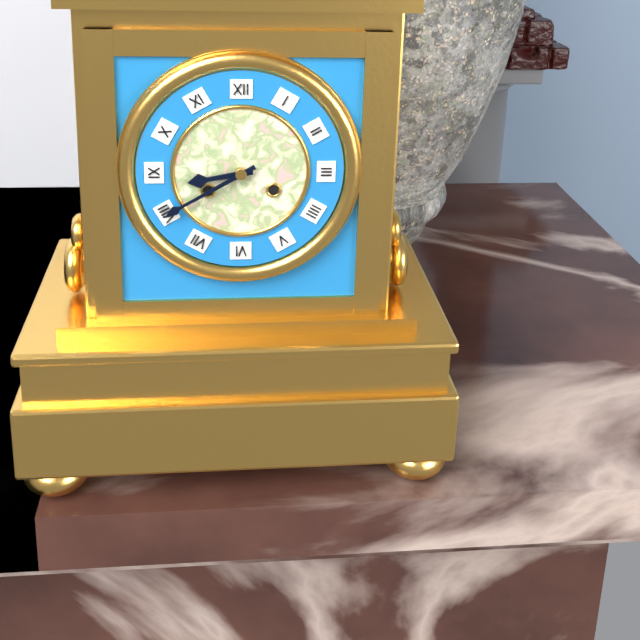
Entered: {"hour": 8, "minute": 40}
